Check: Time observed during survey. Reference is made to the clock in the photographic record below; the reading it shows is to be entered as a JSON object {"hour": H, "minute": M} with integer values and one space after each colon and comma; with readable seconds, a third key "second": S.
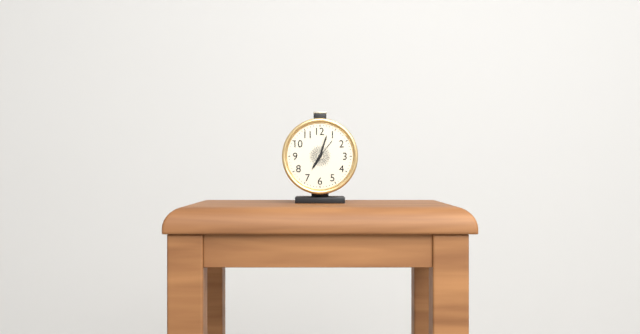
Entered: {"hour": 7, "minute": 3}
